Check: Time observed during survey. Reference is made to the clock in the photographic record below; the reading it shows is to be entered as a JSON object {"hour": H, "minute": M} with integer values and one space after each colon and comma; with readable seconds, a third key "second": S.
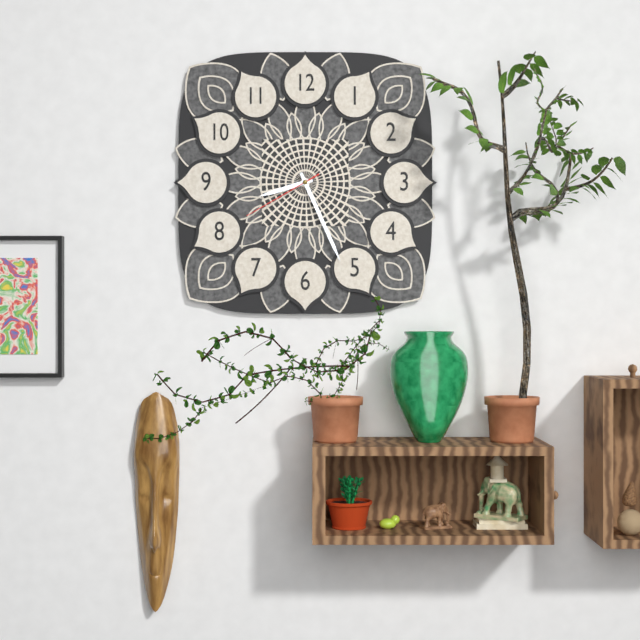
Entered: {"hour": 8, "minute": 26, "second": 40}
